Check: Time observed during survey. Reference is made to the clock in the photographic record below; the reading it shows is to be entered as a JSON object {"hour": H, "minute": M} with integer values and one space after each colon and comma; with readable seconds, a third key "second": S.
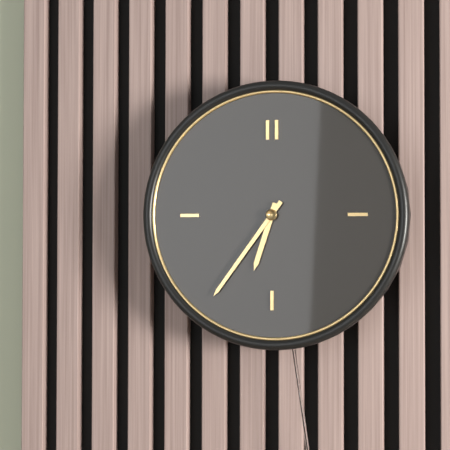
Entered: {"hour": 6, "minute": 36}
